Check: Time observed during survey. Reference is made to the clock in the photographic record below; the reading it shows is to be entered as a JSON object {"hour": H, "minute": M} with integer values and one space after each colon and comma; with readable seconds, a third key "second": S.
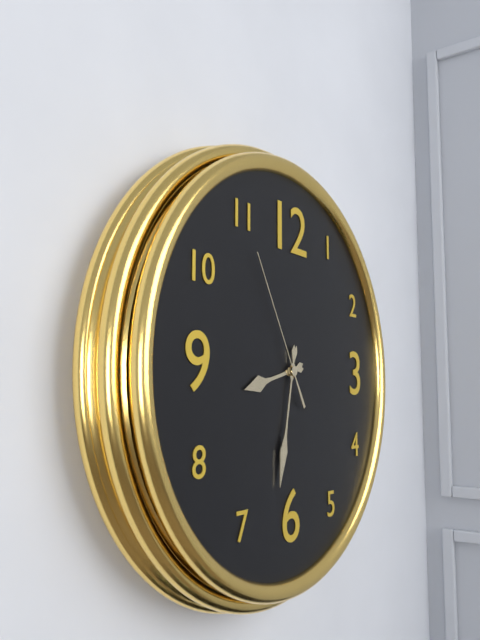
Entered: {"hour": 8, "minute": 32, "second": 55}
